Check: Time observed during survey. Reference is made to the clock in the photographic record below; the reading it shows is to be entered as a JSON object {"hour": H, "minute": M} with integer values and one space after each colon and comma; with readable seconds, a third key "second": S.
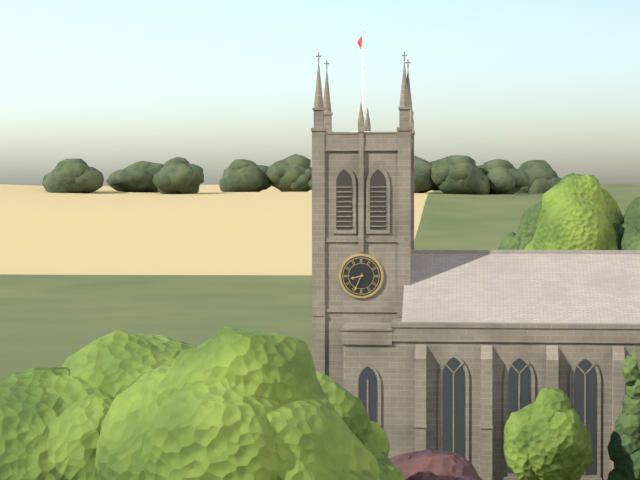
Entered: {"hour": 8, "minute": 34}
